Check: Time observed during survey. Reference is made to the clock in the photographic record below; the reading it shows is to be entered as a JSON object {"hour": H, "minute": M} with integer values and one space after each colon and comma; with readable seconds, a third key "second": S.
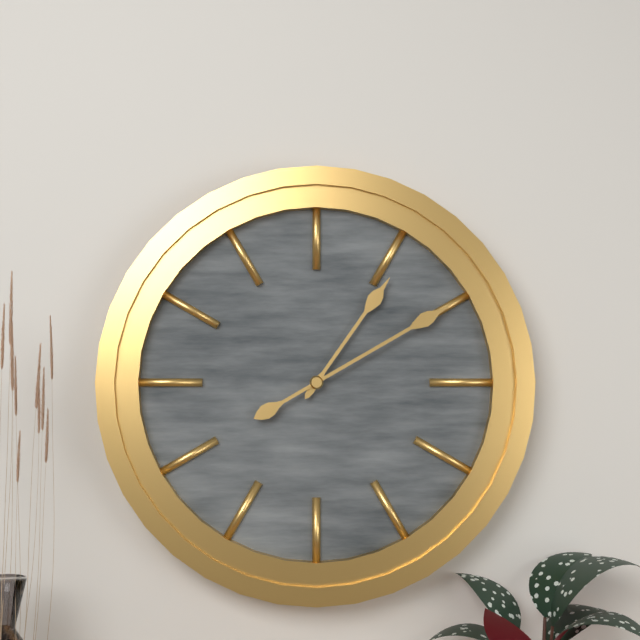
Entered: {"hour": 1, "minute": 10}
